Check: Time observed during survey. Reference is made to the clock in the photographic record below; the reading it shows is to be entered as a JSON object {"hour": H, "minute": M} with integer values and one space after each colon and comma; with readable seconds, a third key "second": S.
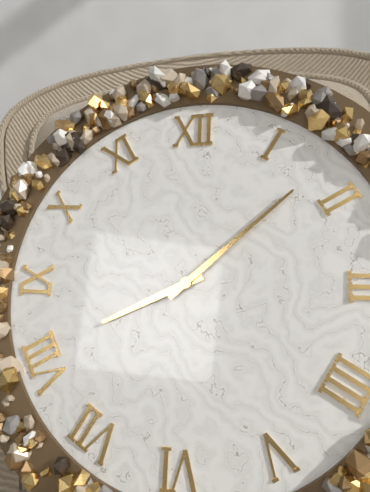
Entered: {"hour": 8, "minute": 8}
